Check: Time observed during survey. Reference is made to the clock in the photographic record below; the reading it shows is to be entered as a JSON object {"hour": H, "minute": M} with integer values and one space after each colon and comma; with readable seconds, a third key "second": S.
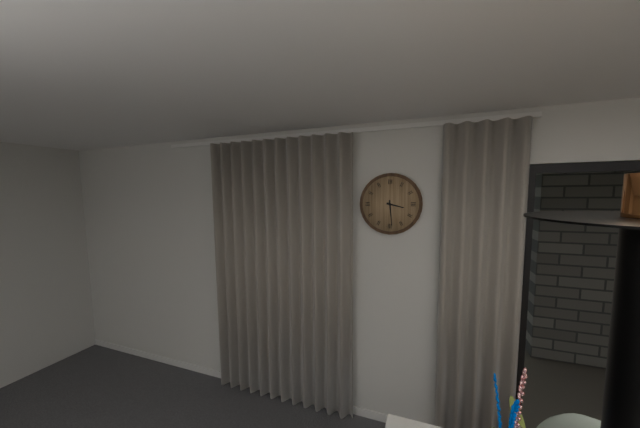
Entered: {"hour": 3, "minute": 29}
